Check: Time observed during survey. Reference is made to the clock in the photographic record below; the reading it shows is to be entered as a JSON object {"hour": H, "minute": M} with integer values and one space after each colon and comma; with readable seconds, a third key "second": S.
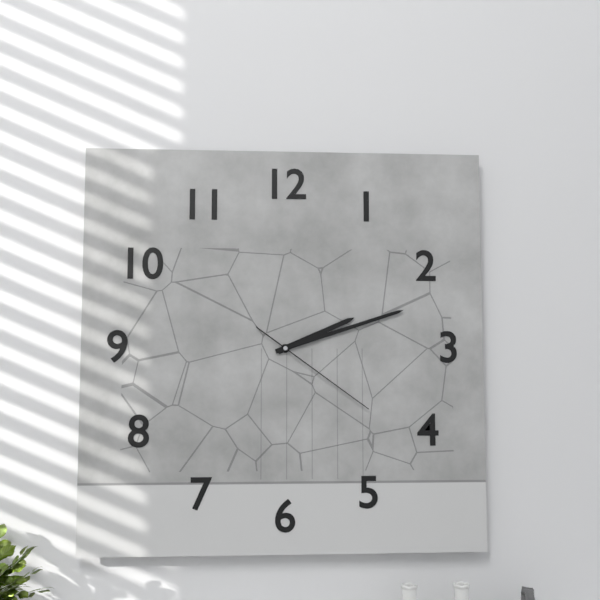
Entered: {"hour": 2, "minute": 12, "second": 21}
